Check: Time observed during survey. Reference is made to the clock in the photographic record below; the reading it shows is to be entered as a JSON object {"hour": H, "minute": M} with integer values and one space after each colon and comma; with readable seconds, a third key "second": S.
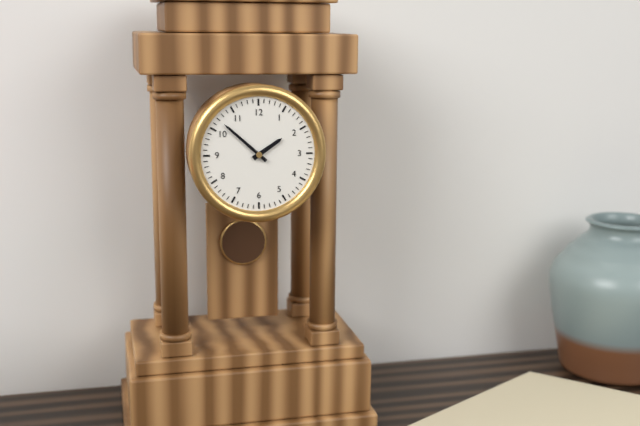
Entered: {"hour": 1, "minute": 52}
